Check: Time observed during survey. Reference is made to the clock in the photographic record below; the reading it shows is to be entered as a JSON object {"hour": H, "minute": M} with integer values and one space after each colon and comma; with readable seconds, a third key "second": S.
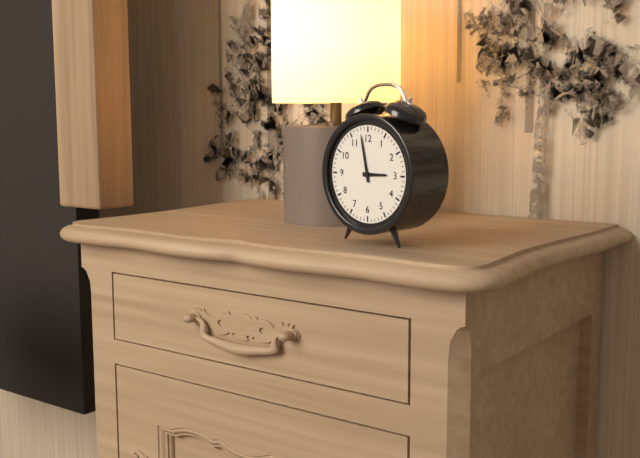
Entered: {"hour": 2, "minute": 58}
